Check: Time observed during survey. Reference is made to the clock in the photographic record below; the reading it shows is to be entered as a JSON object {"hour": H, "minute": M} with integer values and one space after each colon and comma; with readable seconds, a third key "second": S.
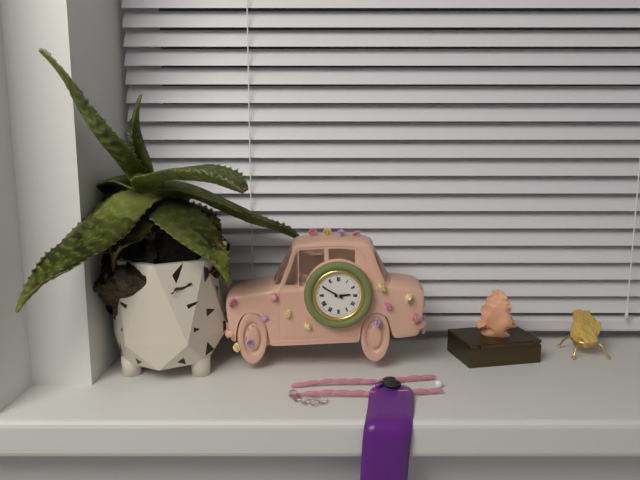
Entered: {"hour": 2, "minute": 50}
